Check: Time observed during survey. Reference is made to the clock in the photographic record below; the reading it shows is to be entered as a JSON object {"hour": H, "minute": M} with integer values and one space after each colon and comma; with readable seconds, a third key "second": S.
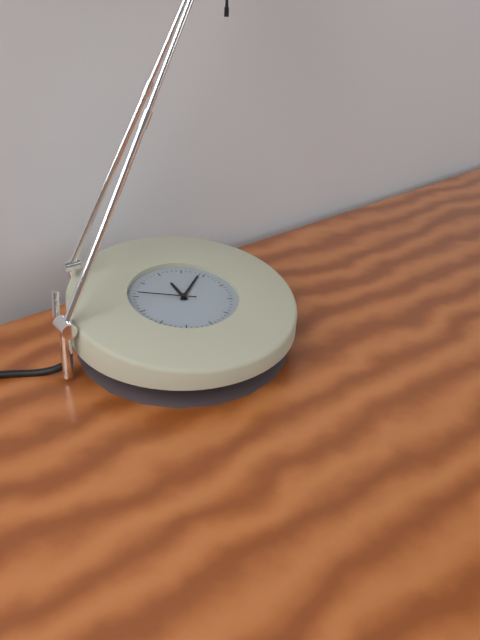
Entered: {"hour": 12, "minute": 9, "second": 51}
